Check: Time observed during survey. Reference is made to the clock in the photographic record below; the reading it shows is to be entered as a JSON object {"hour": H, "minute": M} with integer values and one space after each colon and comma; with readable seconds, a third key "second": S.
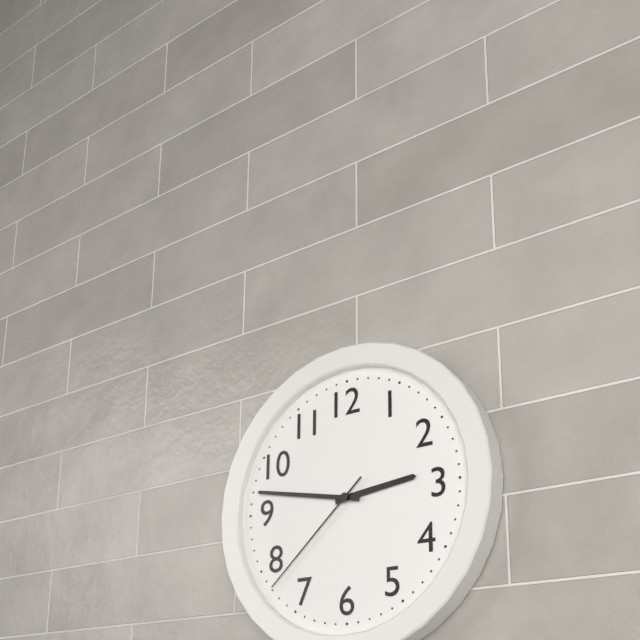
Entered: {"hour": 2, "minute": 47, "second": 38}
